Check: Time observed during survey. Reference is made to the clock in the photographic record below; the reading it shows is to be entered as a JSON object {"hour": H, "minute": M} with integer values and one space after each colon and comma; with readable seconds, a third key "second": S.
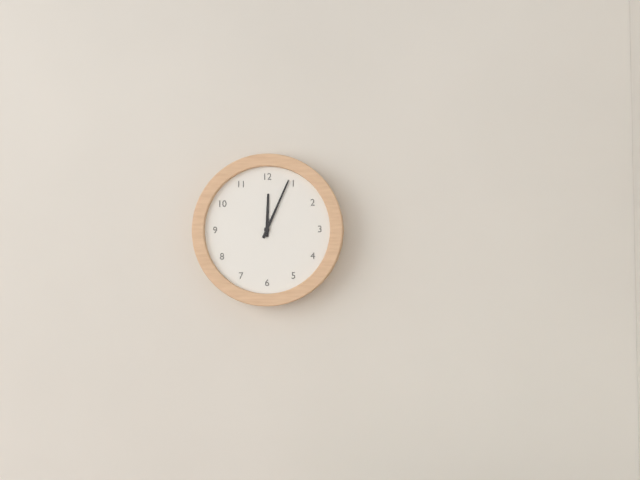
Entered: {"hour": 12, "minute": 4}
